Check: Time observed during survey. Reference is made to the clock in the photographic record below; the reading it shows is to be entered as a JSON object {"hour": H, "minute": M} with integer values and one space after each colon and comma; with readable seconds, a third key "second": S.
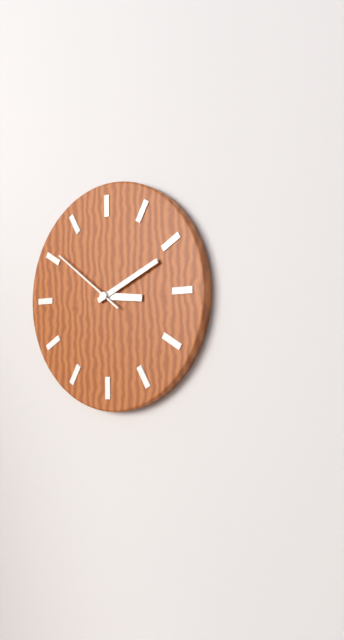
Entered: {"hour": 3, "minute": 11, "second": 51}
